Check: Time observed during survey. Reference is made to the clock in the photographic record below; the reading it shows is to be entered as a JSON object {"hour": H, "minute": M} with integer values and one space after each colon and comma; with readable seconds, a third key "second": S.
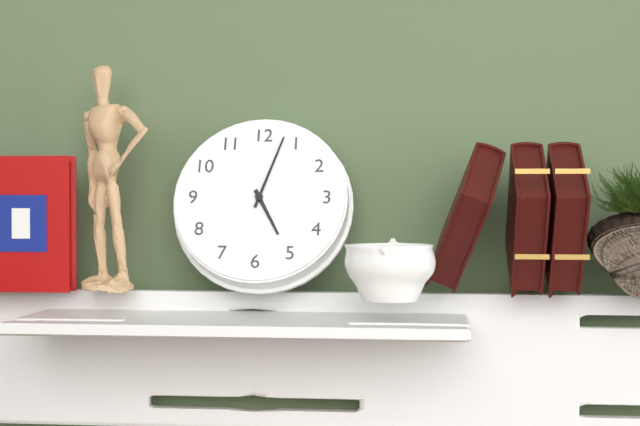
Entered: {"hour": 5, "minute": 3}
